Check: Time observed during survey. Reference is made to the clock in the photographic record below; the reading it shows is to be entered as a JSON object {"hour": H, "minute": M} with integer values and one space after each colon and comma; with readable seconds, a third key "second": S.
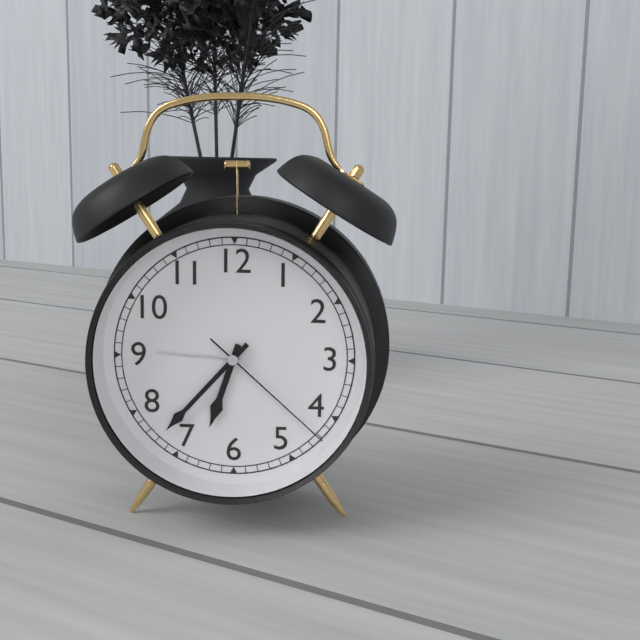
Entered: {"hour": 6, "minute": 37, "second": 22}
